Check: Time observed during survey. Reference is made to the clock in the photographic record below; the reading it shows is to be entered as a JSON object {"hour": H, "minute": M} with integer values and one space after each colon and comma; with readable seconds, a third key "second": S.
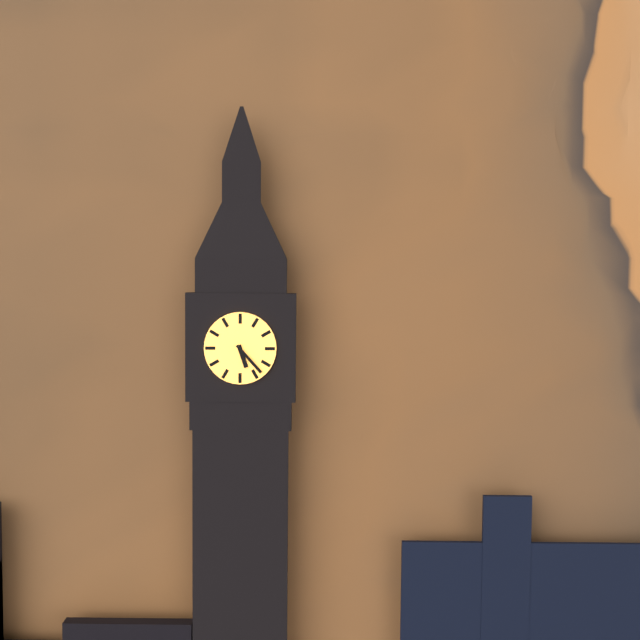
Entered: {"hour": 5, "minute": 23}
